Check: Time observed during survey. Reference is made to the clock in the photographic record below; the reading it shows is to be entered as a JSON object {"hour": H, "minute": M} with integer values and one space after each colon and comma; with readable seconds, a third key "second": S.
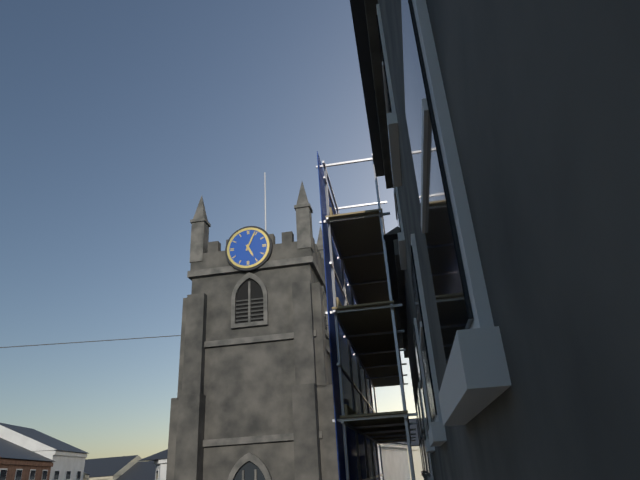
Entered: {"hour": 5, "minute": 4}
